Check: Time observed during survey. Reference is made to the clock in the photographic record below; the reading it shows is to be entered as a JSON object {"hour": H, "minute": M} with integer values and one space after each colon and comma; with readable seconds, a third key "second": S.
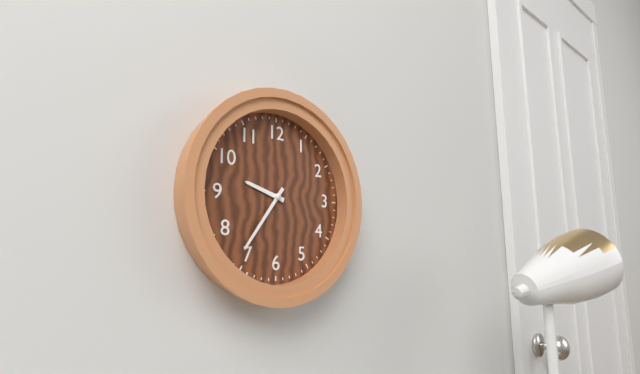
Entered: {"hour": 9, "minute": 36}
